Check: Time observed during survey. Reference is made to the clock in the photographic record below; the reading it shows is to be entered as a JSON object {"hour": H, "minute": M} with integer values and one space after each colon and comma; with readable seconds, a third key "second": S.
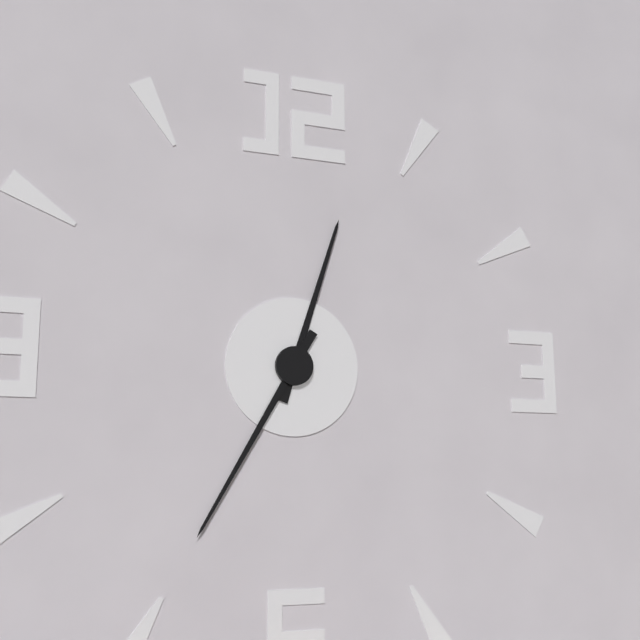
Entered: {"hour": 12, "minute": 35}
